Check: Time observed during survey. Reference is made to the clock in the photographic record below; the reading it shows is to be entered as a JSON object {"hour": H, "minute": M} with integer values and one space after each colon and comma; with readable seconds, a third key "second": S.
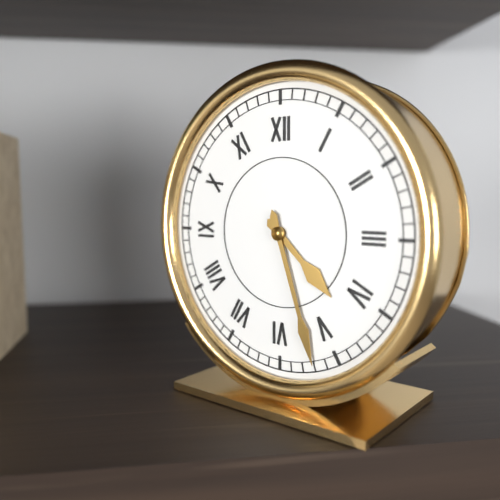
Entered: {"hour": 4, "minute": 27}
